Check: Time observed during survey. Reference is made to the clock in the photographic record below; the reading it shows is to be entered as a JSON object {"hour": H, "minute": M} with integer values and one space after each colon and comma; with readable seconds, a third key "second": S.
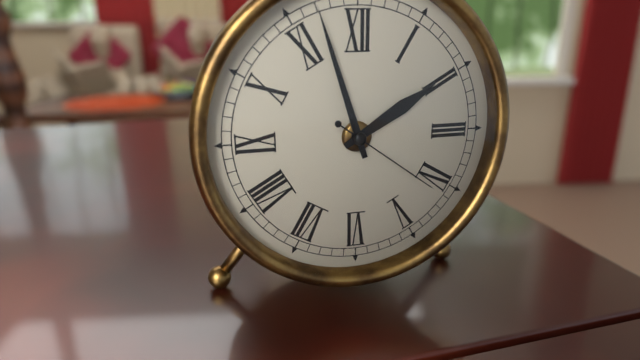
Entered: {"hour": 1, "minute": 57, "second": 21}
